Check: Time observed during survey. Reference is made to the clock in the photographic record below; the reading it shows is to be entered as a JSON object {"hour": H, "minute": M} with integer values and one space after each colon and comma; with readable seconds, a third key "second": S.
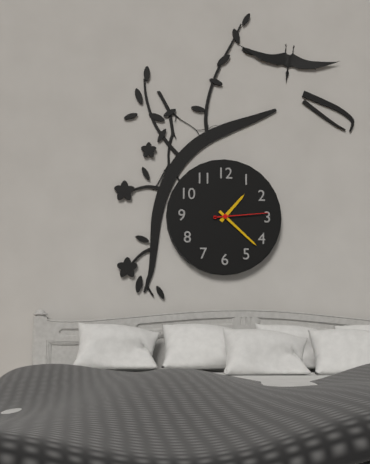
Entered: {"hour": 1, "minute": 22, "second": 14}
